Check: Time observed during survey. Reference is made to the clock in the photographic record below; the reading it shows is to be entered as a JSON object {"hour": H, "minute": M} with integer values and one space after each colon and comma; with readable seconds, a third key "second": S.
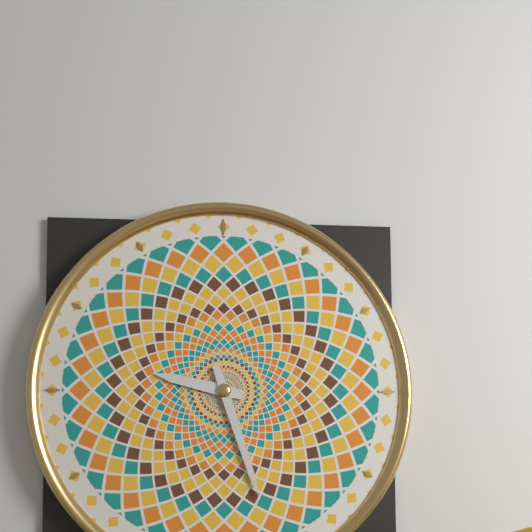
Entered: {"hour": 9, "minute": 27}
